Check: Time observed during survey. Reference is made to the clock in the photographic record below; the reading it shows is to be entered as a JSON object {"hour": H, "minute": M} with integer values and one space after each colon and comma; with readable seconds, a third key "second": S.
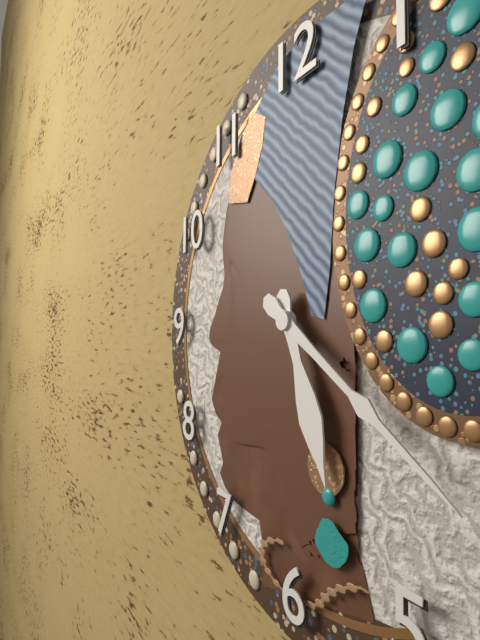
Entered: {"hour": 5, "minute": 21}
